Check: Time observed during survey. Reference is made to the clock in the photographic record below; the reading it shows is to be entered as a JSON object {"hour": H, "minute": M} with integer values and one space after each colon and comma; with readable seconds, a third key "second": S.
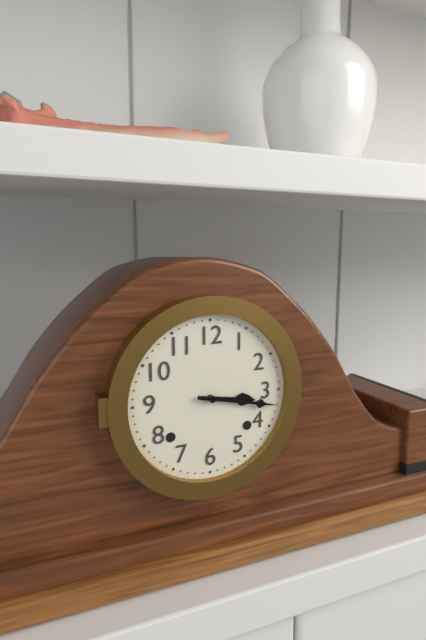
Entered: {"hour": 3, "minute": 17}
